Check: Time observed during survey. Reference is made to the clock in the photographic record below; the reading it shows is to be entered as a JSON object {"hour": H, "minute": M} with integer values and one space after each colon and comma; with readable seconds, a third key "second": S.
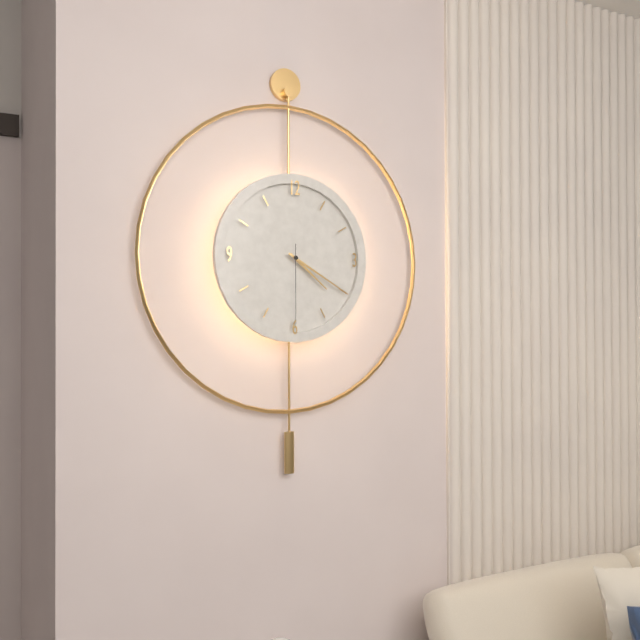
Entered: {"hour": 4, "minute": 20, "second": 30}
